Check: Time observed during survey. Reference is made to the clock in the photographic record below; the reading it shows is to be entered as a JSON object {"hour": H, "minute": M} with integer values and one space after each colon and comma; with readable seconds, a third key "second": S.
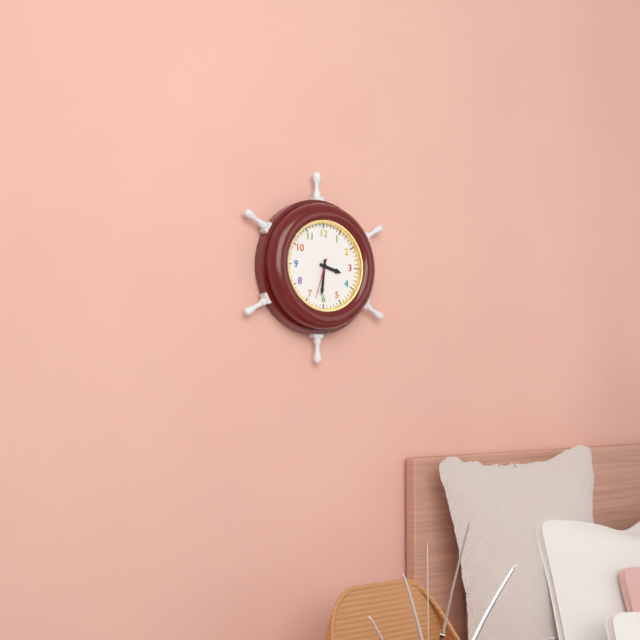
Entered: {"hour": 3, "minute": 31}
